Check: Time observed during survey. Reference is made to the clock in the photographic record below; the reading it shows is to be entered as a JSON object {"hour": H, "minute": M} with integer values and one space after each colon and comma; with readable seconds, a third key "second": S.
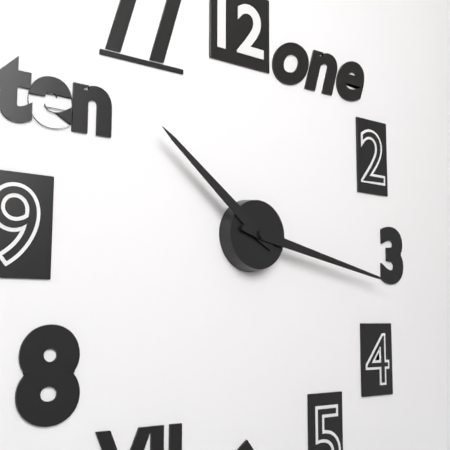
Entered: {"hour": 10, "minute": 17}
